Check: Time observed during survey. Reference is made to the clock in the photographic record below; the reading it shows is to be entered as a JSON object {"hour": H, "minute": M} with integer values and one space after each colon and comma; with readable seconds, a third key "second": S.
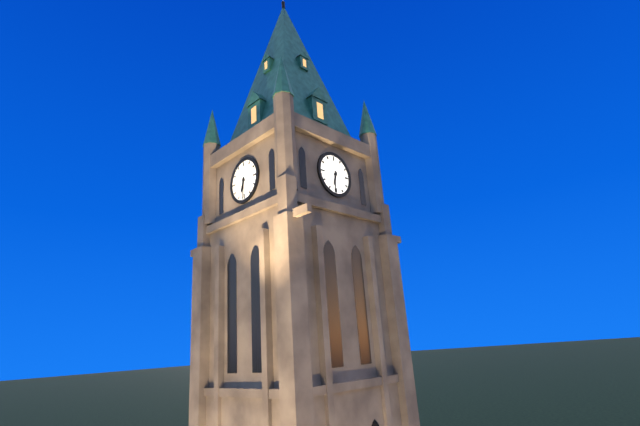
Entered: {"hour": 6, "minute": 31}
